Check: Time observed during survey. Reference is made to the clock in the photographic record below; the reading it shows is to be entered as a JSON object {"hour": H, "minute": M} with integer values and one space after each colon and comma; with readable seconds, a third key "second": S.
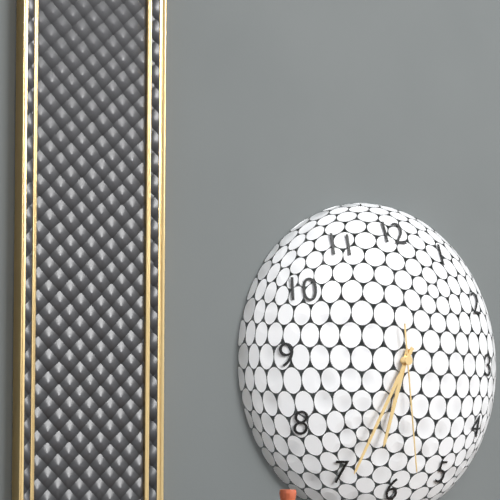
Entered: {"hour": 6, "minute": 35, "second": 29}
